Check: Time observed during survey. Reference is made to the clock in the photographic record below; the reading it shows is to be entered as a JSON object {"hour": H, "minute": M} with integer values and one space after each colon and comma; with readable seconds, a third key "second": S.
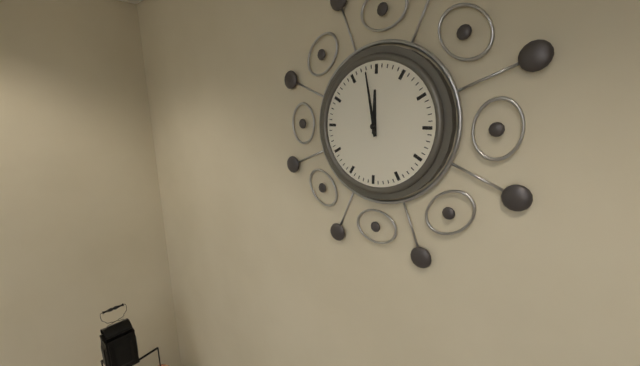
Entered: {"hour": 11, "minute": 58}
